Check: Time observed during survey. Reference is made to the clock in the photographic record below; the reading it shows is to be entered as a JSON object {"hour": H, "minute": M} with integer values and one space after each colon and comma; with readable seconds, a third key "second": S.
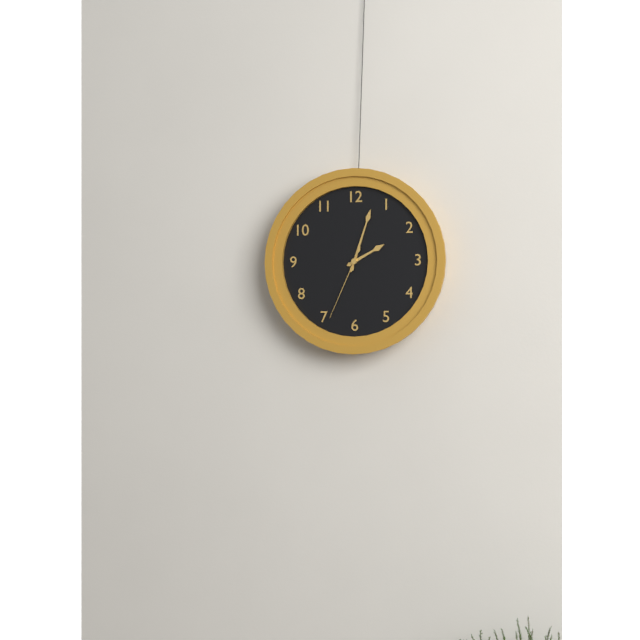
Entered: {"hour": 2, "minute": 3, "second": 34}
